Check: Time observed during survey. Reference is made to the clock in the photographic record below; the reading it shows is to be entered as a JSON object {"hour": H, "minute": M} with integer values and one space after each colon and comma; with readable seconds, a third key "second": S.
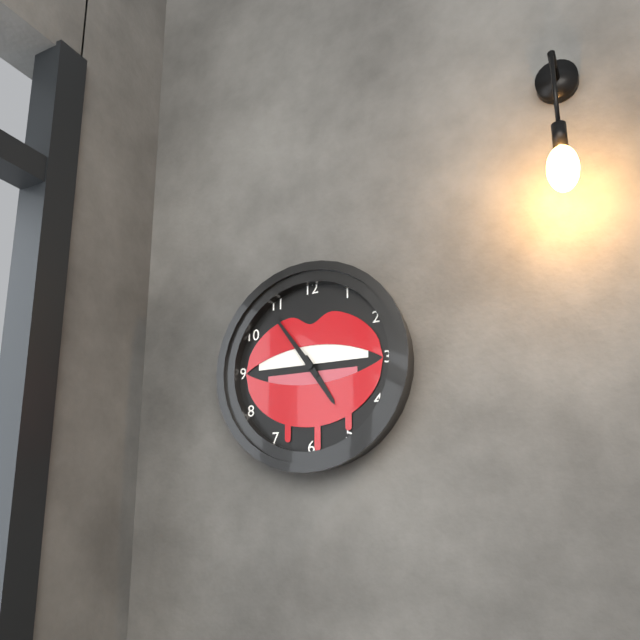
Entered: {"hour": 4, "minute": 54}
